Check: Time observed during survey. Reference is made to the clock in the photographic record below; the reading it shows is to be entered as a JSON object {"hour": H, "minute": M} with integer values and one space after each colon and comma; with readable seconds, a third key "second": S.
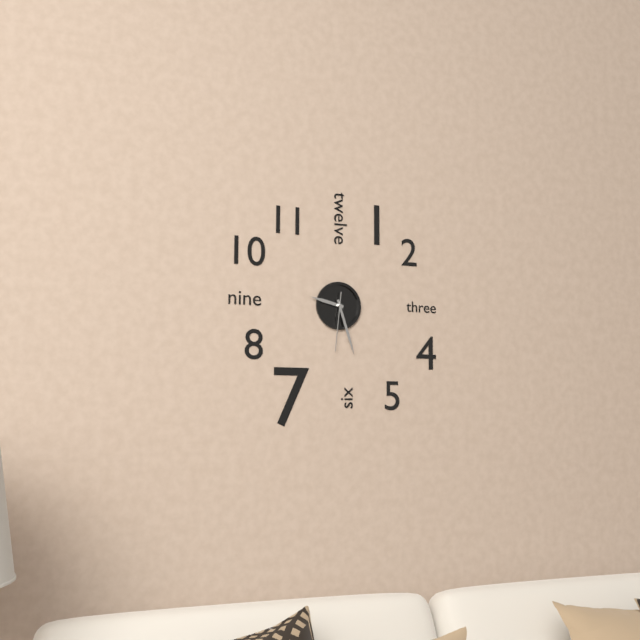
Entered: {"hour": 9, "minute": 27, "second": 31}
